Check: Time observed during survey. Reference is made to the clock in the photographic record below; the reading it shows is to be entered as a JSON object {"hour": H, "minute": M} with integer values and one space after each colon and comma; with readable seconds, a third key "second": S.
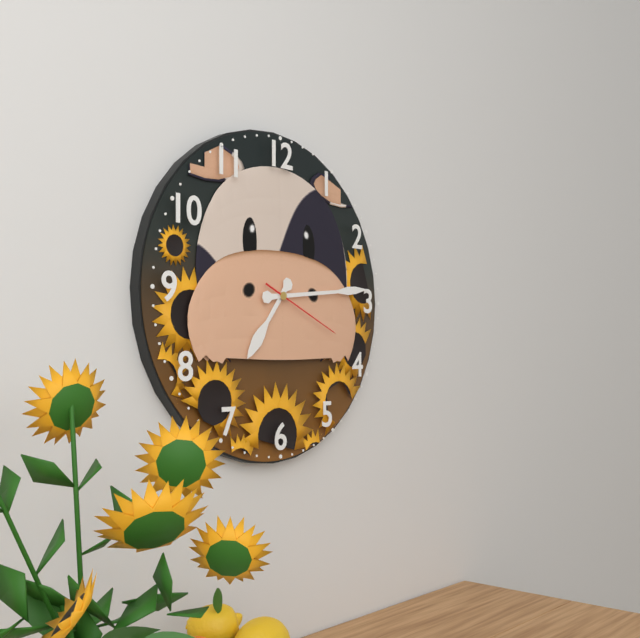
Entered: {"hour": 7, "minute": 14, "second": 19}
